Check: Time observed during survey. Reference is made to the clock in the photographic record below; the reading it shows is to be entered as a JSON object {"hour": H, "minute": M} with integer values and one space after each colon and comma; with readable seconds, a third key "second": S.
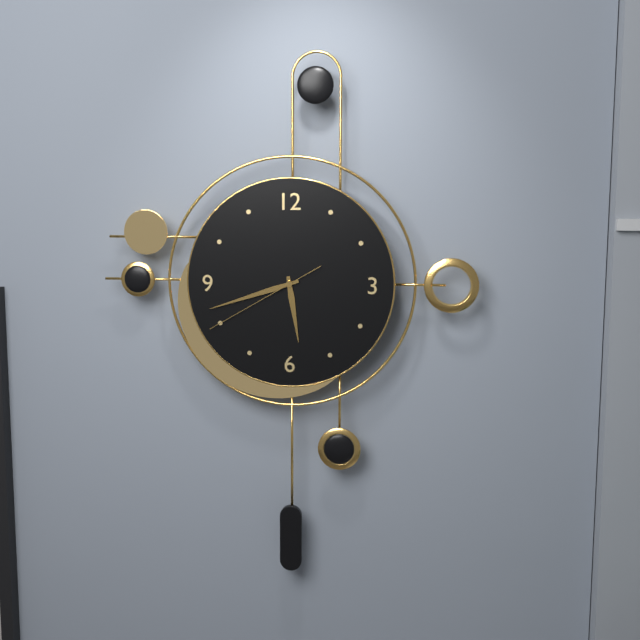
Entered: {"hour": 5, "minute": 42, "second": 40}
